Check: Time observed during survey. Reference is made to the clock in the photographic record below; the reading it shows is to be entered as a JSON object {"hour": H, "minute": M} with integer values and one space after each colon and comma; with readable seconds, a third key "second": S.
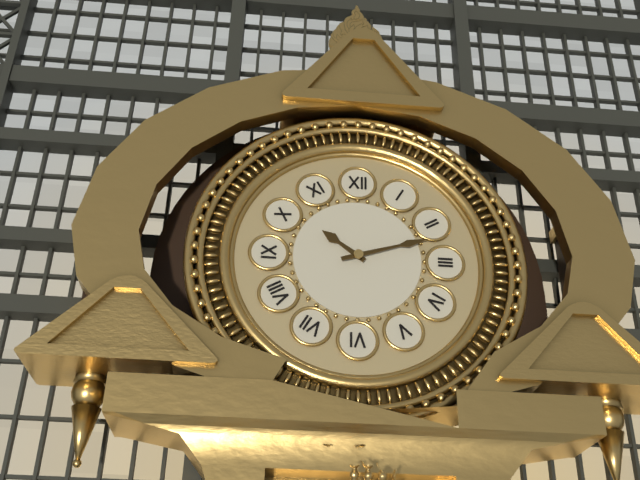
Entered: {"hour": 10, "minute": 12}
